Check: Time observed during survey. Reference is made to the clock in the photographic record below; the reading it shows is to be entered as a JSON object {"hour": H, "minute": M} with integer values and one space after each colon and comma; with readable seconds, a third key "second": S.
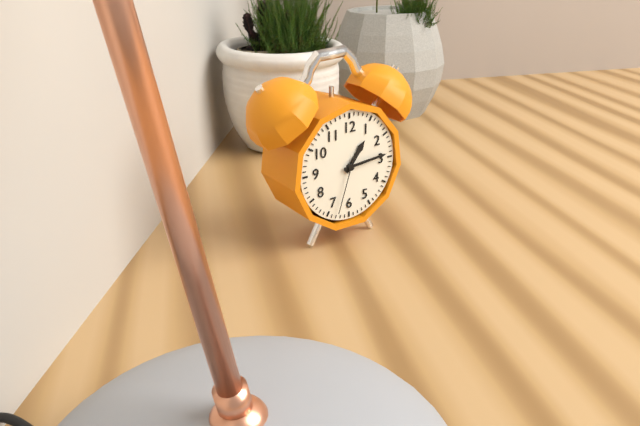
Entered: {"hour": 1, "minute": 14, "second": 33}
